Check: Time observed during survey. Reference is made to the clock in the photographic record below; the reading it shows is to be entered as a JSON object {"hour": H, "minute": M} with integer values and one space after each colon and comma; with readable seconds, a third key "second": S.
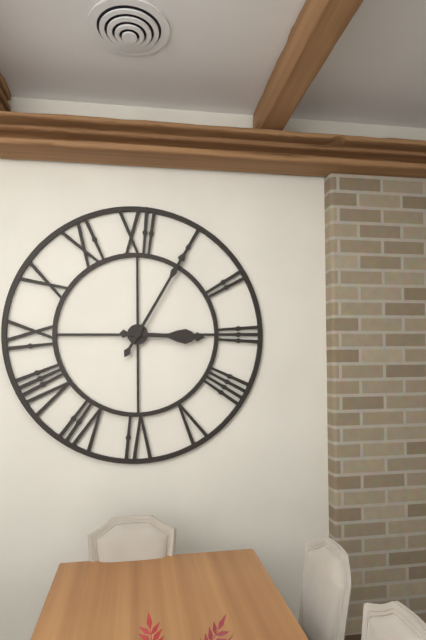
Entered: {"hour": 3, "minute": 5}
